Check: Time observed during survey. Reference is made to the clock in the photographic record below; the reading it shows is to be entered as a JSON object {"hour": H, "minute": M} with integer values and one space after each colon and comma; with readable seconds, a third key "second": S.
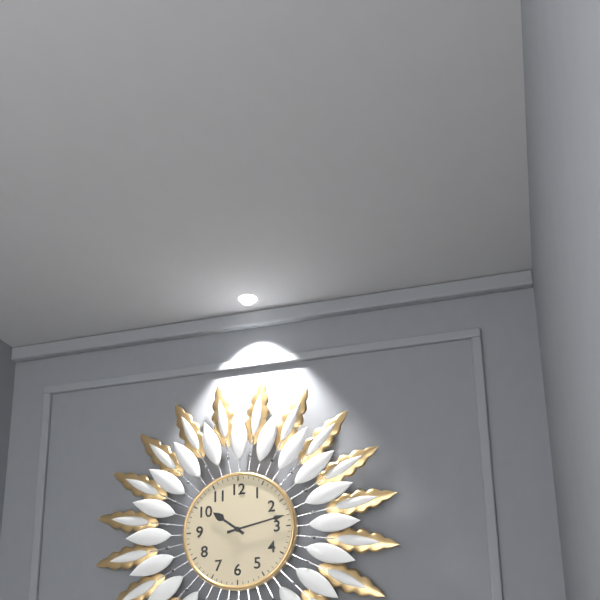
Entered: {"hour": 10, "minute": 13}
